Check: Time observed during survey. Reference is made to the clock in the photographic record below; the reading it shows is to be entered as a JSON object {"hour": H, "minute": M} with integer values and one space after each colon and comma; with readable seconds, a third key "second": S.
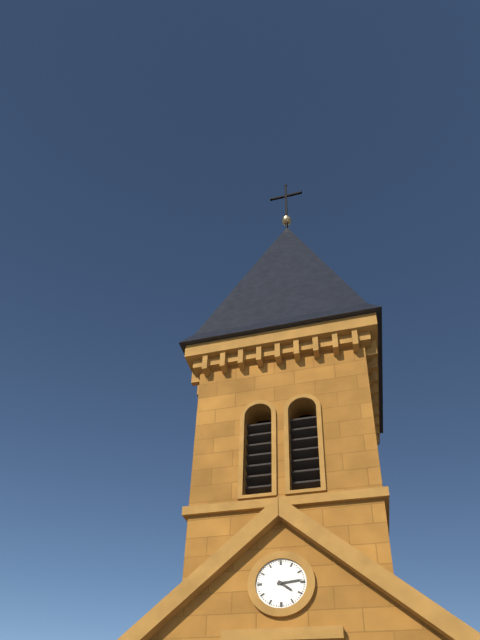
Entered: {"hour": 4, "minute": 14}
